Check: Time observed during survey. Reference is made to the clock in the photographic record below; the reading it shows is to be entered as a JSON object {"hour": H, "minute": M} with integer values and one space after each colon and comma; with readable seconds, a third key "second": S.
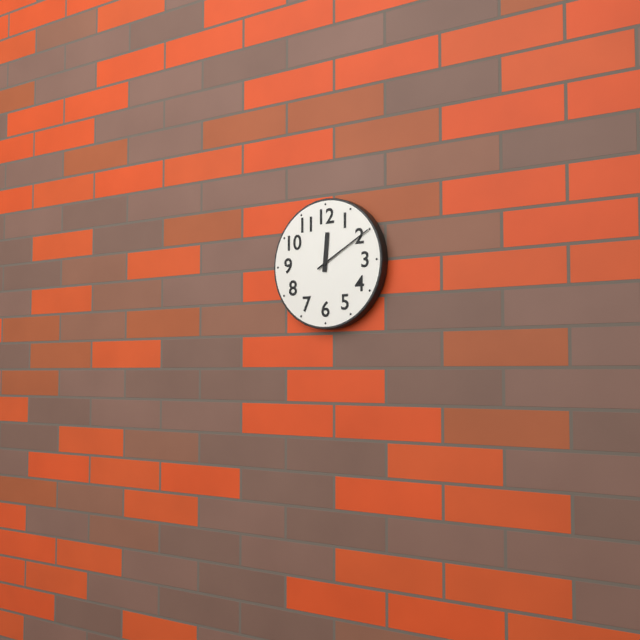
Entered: {"hour": 12, "minute": 10}
